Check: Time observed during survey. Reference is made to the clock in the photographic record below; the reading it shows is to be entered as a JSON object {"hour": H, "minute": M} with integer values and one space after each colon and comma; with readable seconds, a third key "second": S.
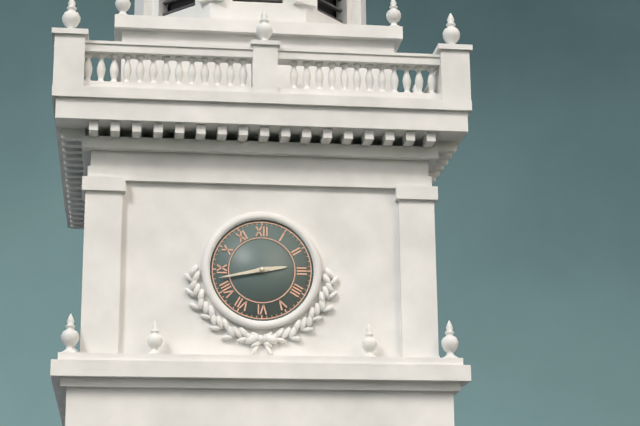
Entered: {"hour": 2, "minute": 43}
